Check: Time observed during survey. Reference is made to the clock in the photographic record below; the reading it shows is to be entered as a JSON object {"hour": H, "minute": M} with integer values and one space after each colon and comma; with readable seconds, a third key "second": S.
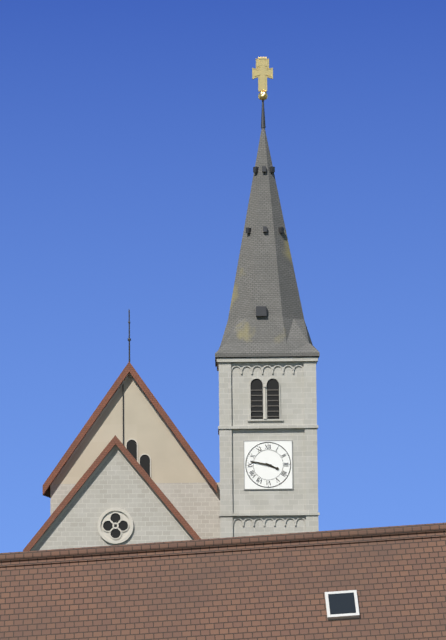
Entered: {"hour": 3, "minute": 47}
